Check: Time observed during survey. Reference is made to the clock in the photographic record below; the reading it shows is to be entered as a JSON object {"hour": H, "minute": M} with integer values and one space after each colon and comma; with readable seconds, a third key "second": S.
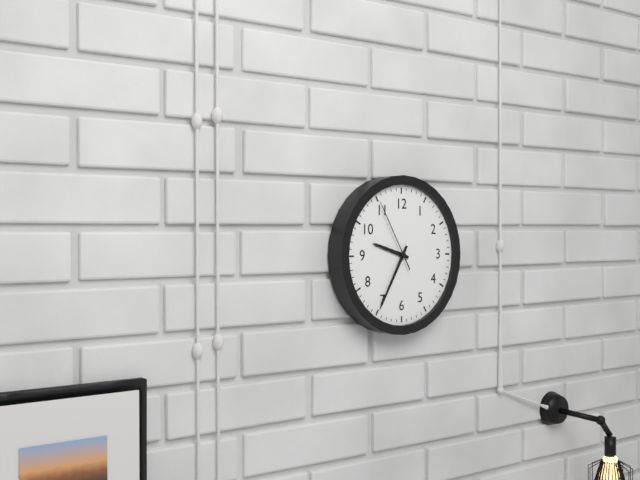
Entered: {"hour": 9, "minute": 35, "second": 55}
